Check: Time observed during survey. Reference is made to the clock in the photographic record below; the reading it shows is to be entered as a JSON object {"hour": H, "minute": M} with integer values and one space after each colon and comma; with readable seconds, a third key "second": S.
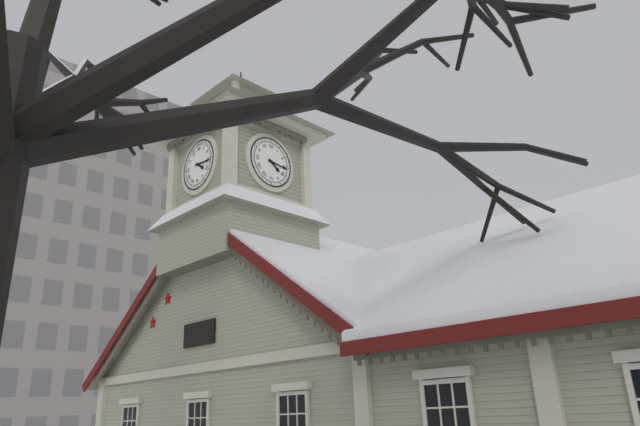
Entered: {"hour": 4, "minute": 16}
